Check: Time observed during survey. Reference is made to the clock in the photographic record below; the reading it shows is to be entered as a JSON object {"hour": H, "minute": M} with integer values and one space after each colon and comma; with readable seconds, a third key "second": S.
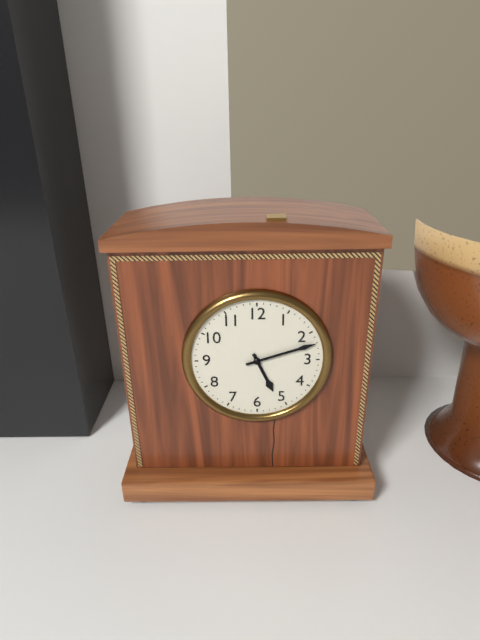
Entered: {"hour": 5, "minute": 12}
